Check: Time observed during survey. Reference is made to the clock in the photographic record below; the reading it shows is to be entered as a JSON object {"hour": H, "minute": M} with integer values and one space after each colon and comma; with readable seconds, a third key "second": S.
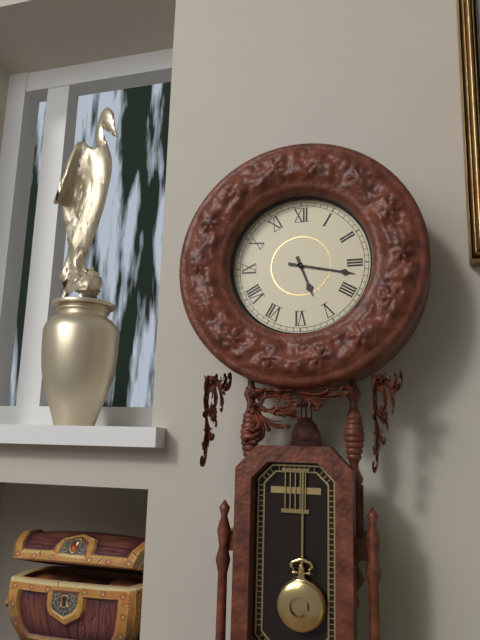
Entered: {"hour": 5, "minute": 17}
